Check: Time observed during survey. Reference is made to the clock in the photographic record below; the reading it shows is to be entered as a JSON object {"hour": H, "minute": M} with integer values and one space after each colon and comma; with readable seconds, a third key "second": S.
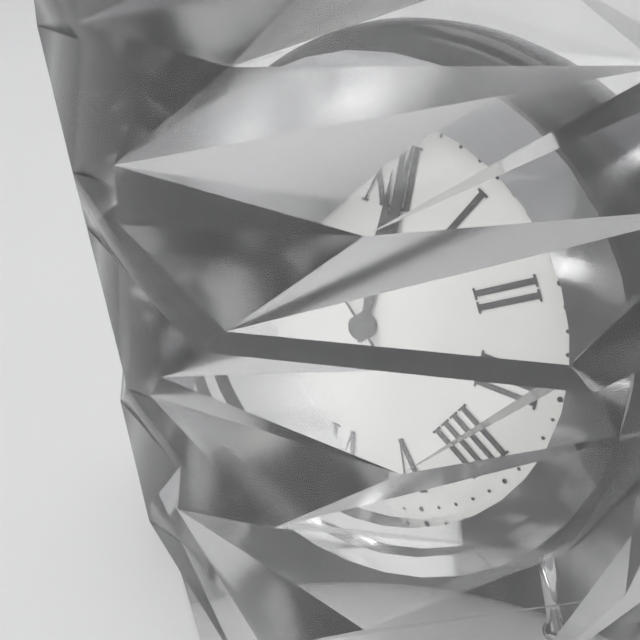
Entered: {"hour": 12, "minute": 1, "second": 52}
